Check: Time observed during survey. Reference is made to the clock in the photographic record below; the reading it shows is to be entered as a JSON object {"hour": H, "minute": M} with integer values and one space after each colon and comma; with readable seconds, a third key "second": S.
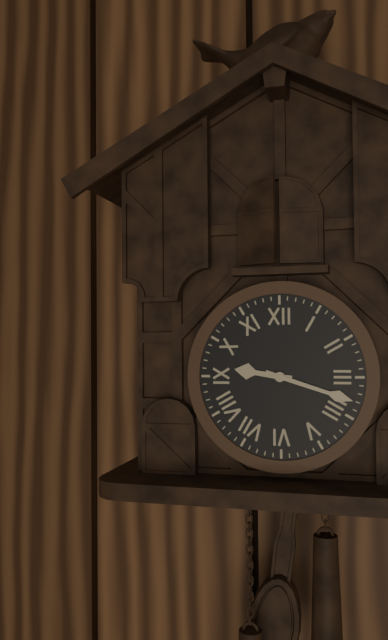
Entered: {"hour": 9, "minute": 18}
